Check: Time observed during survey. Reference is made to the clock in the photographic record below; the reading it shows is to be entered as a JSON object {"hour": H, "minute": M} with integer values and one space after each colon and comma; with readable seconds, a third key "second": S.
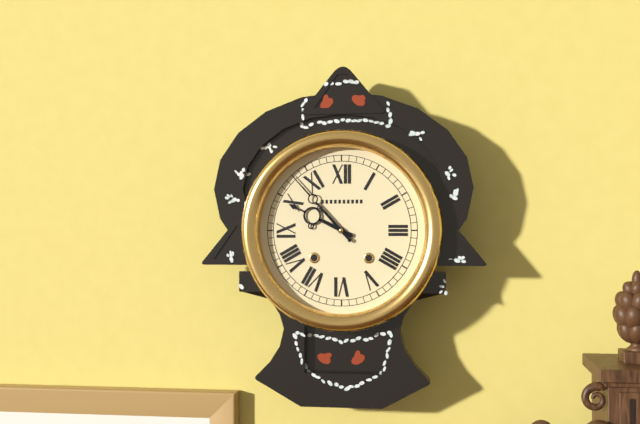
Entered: {"hour": 9, "minute": 53}
